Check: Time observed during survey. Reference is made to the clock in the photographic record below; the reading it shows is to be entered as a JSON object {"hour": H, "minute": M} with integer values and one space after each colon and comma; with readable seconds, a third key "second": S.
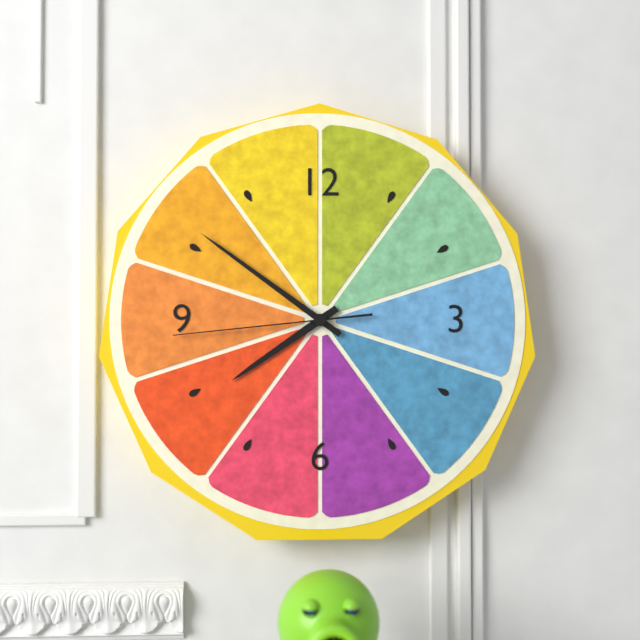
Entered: {"hour": 7, "minute": 51, "second": 44}
